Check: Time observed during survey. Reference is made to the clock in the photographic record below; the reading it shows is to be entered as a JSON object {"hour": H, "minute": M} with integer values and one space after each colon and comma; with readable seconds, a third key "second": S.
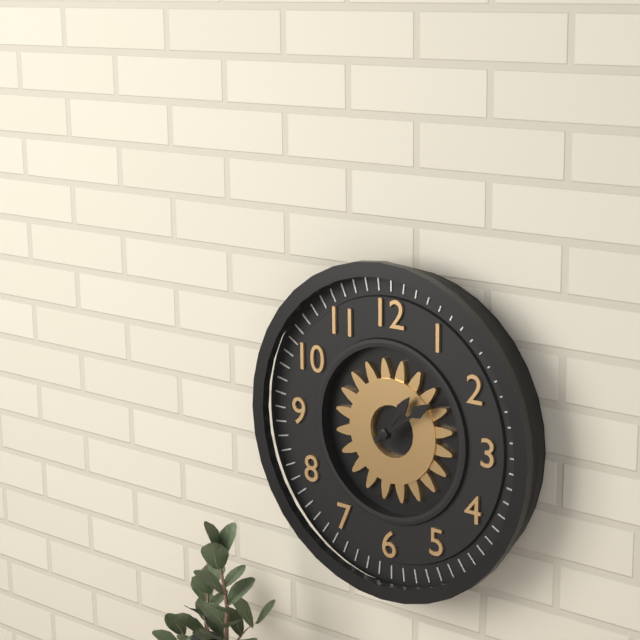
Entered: {"hour": 1, "minute": 9}
